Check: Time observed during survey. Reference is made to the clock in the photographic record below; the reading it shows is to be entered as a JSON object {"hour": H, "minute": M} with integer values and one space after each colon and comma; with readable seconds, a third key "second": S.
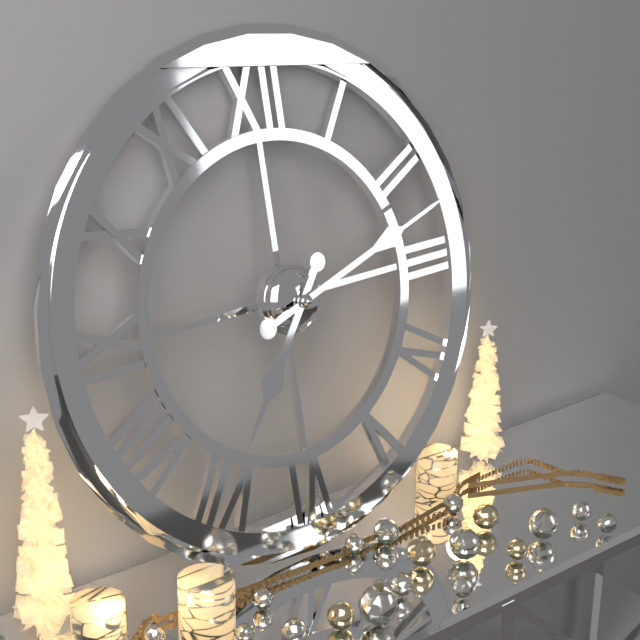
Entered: {"hour": 7, "minute": 12}
